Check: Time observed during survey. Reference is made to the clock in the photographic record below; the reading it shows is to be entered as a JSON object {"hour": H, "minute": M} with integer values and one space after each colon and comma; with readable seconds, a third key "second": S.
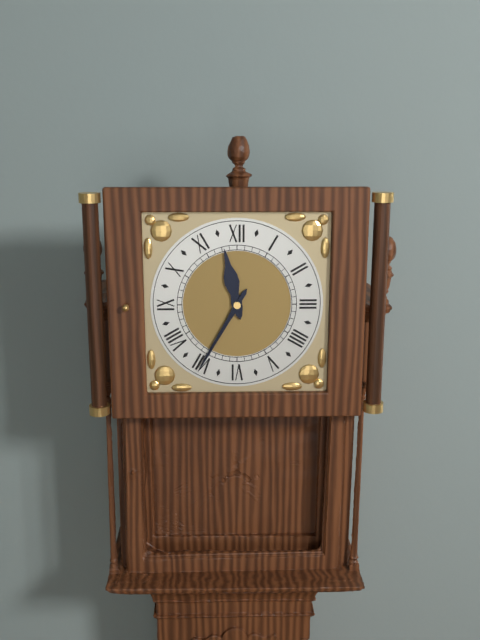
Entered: {"hour": 11, "minute": 35}
